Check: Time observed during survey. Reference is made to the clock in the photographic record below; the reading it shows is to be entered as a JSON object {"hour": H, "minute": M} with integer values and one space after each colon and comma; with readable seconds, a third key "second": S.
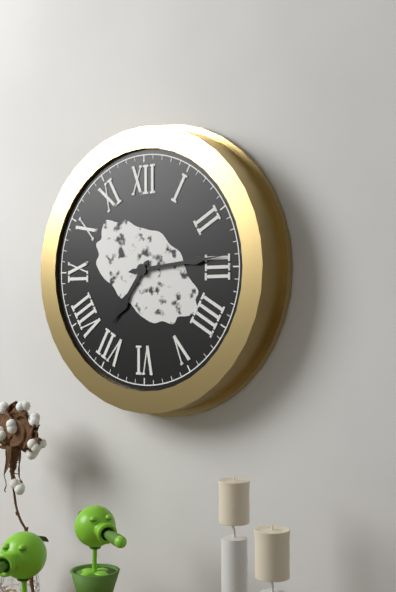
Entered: {"hour": 7, "minute": 14}
